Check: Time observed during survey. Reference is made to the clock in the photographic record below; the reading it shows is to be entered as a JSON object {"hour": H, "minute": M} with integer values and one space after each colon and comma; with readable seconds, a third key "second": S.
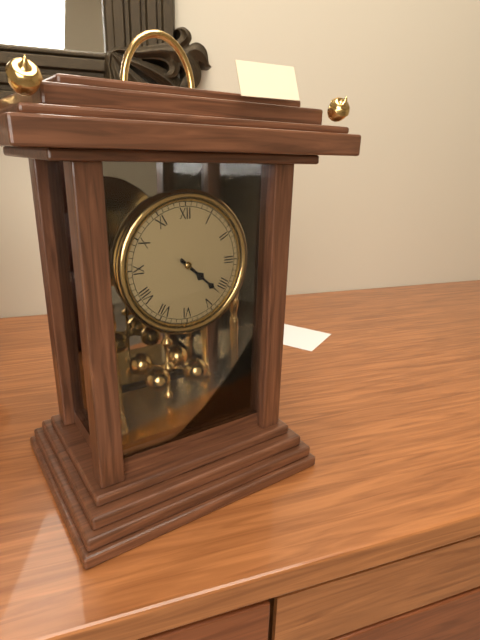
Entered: {"hour": 4, "minute": 22}
